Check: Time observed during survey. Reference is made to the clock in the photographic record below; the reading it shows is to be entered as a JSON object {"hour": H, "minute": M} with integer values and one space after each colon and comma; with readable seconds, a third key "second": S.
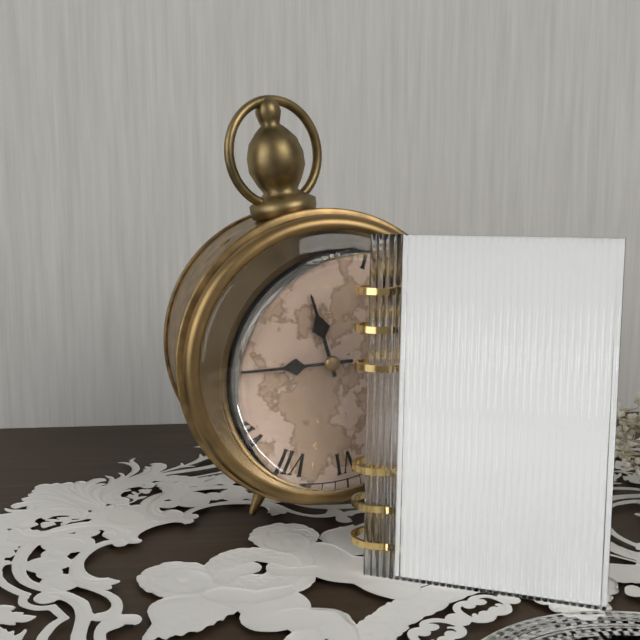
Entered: {"hour": 11, "minute": 46}
